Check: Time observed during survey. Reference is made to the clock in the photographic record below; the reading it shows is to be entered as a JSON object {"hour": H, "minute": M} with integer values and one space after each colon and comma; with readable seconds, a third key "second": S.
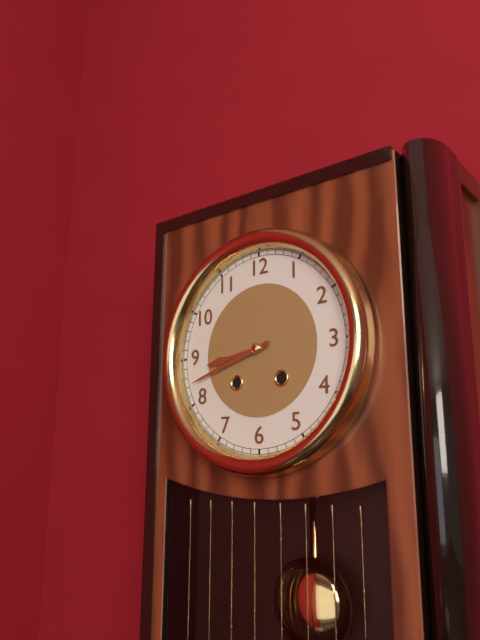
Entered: {"hour": 8, "minute": 42}
